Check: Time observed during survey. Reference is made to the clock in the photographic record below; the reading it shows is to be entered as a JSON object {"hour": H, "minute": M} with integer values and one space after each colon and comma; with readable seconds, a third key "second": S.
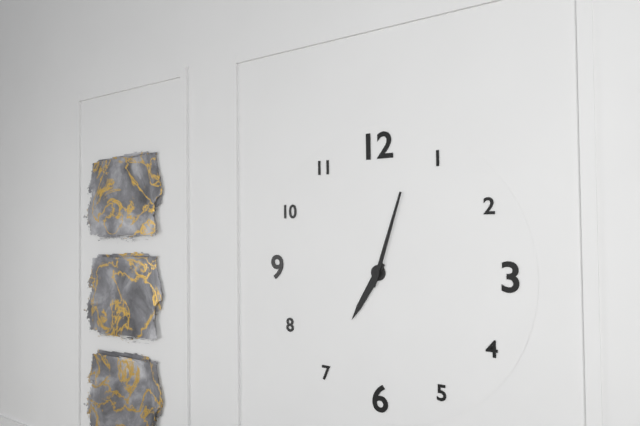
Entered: {"hour": 7, "minute": 3}
